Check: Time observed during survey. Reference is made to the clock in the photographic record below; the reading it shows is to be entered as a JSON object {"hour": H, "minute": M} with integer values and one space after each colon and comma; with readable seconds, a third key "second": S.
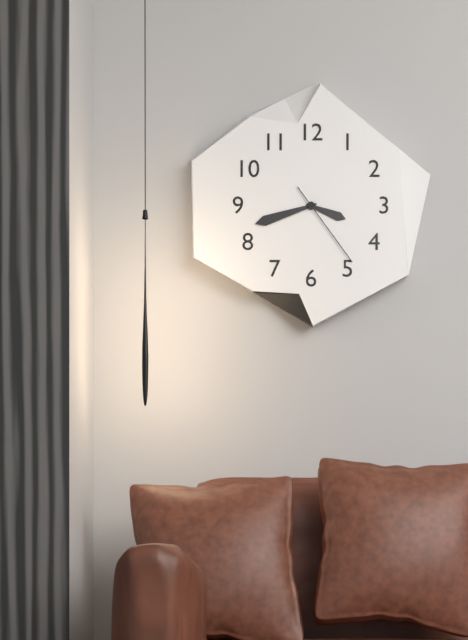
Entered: {"hour": 3, "minute": 42, "second": 24}
